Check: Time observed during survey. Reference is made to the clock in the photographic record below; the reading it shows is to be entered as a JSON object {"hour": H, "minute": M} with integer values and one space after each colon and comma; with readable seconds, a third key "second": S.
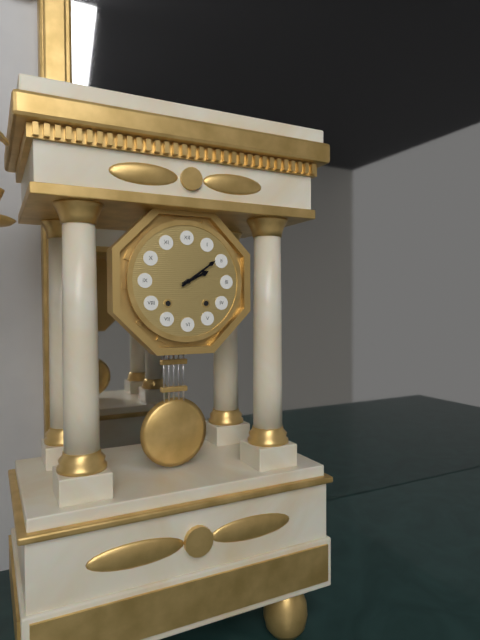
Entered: {"hour": 2, "minute": 9}
